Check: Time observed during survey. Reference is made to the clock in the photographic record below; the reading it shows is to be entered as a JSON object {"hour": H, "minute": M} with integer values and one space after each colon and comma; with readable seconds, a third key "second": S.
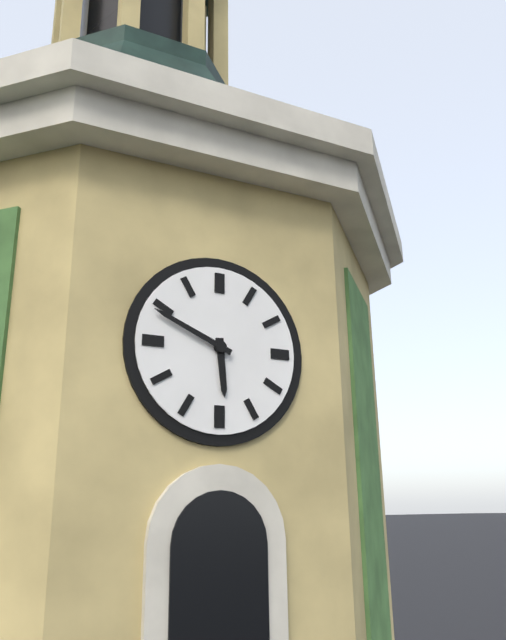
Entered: {"hour": 5, "minute": 49}
